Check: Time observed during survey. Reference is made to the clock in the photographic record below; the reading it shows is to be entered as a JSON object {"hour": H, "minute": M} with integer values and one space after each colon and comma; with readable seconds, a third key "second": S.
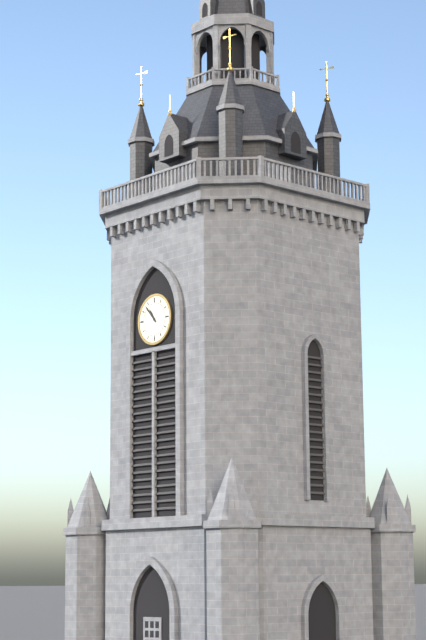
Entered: {"hour": 10, "minute": 53}
